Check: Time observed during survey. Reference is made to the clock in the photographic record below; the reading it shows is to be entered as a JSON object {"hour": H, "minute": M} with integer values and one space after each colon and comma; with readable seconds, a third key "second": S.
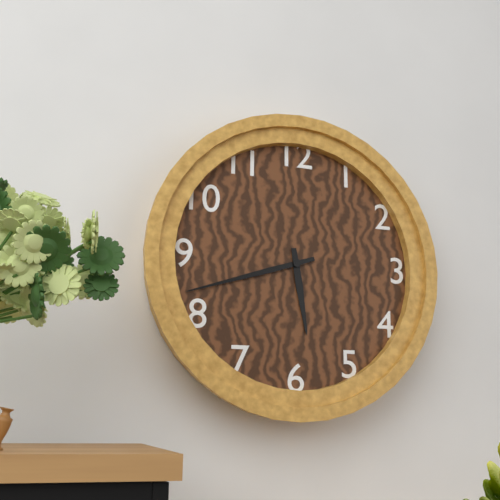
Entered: {"hour": 5, "minute": 42}
